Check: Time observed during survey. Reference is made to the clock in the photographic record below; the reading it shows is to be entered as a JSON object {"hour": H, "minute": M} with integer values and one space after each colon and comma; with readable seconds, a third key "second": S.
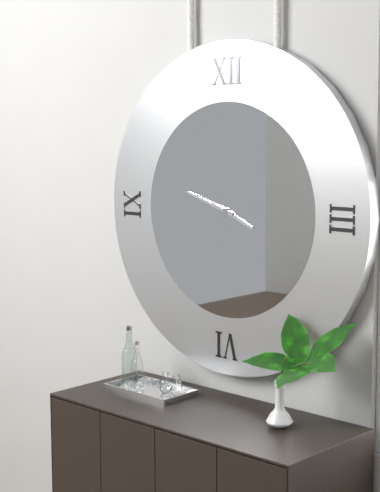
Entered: {"hour": 3, "minute": 48}
